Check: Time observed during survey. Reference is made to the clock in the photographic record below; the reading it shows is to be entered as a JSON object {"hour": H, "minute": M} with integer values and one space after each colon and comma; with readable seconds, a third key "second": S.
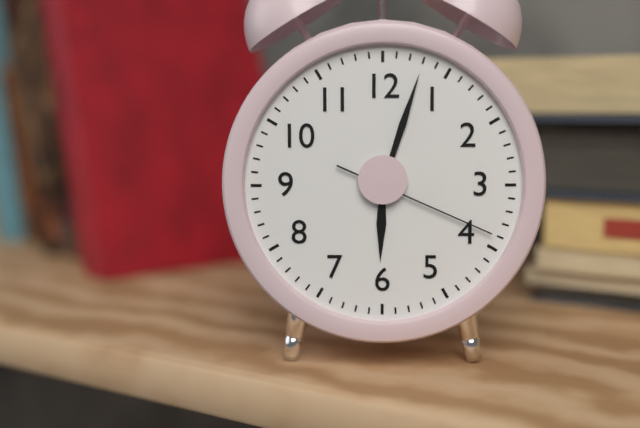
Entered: {"hour": 6, "minute": 3, "second": 19}
